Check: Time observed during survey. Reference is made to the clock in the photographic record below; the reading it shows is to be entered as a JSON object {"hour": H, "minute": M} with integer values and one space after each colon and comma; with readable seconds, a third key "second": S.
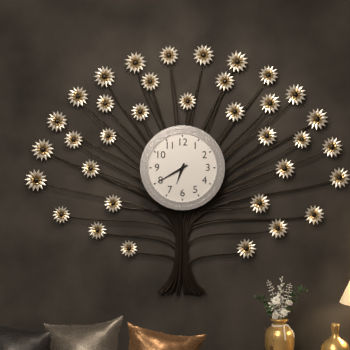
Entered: {"hour": 6, "minute": 40}
